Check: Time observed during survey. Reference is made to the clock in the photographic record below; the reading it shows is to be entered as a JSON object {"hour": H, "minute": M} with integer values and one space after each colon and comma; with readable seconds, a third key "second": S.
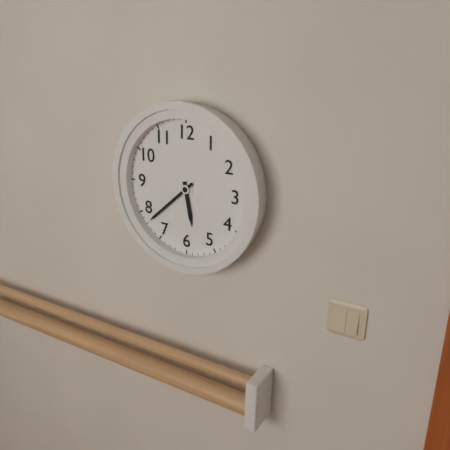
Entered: {"hour": 5, "minute": 38}
